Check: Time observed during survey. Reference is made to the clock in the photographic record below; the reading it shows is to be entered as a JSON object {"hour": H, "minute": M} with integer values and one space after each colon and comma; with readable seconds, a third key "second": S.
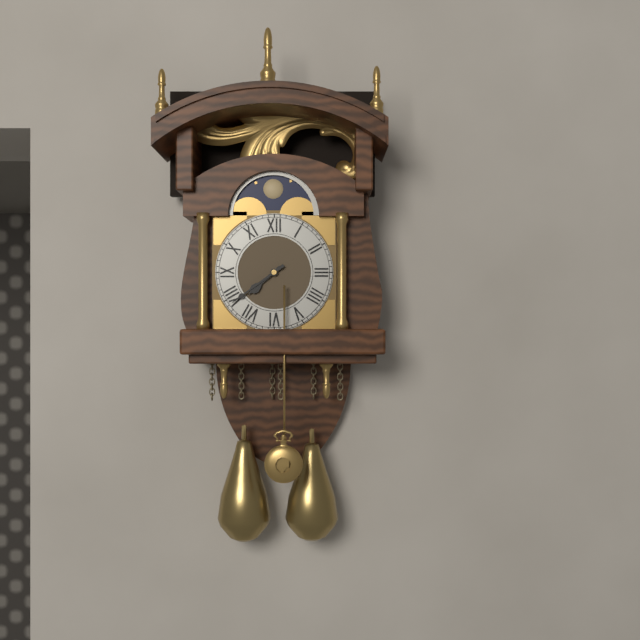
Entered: {"hour": 7, "minute": 39}
